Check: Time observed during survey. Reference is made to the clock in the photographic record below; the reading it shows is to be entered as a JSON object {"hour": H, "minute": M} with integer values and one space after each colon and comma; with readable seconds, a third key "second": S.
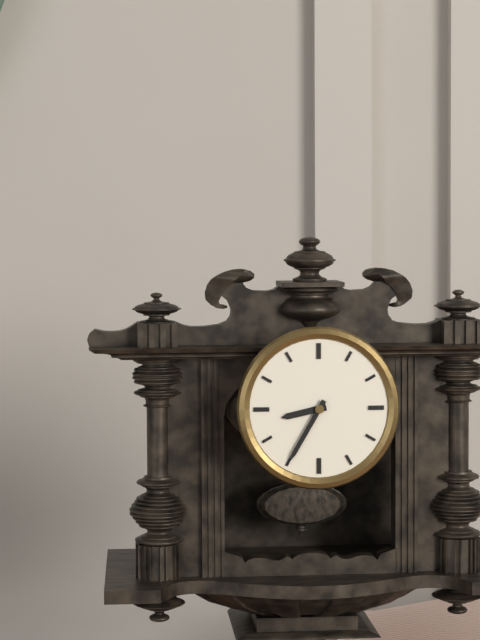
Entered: {"hour": 8, "minute": 35}
